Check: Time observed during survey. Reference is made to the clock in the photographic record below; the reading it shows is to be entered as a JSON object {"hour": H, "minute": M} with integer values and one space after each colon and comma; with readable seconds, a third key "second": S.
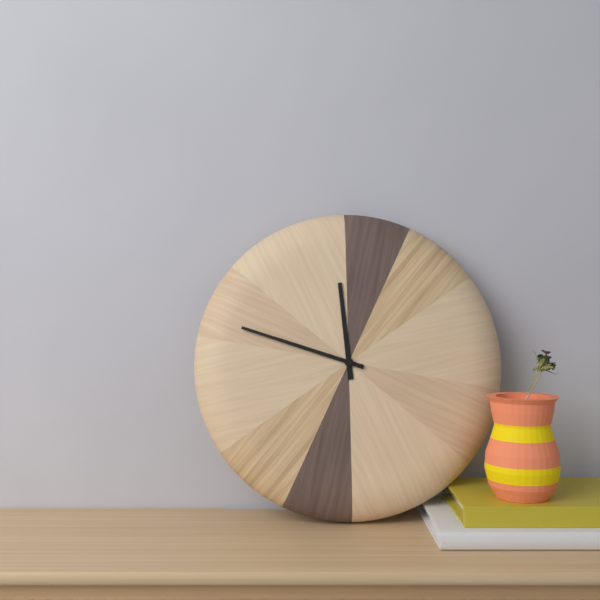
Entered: {"hour": 11, "minute": 48}
